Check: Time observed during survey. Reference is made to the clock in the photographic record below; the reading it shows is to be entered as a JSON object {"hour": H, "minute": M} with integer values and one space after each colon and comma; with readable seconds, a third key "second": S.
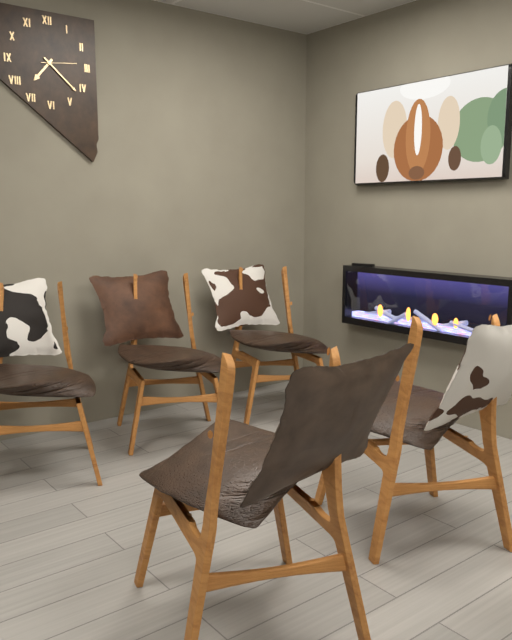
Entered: {"hour": 7, "minute": 22}
